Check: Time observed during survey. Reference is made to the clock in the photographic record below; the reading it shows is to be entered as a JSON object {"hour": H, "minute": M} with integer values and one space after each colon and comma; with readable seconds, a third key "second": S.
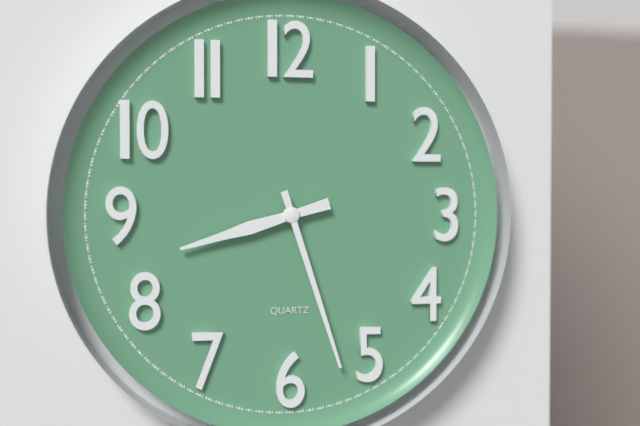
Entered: {"hour": 8, "minute": 27}
